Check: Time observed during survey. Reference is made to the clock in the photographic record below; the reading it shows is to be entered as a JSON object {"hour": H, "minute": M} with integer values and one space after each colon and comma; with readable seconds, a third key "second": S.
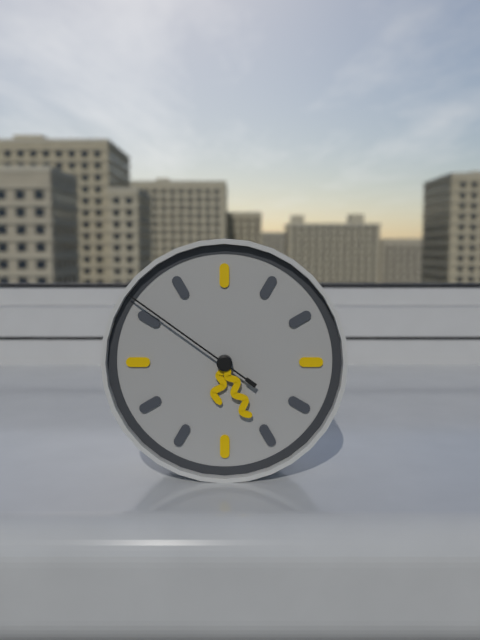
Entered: {"hour": 6, "minute": 26, "second": 51}
